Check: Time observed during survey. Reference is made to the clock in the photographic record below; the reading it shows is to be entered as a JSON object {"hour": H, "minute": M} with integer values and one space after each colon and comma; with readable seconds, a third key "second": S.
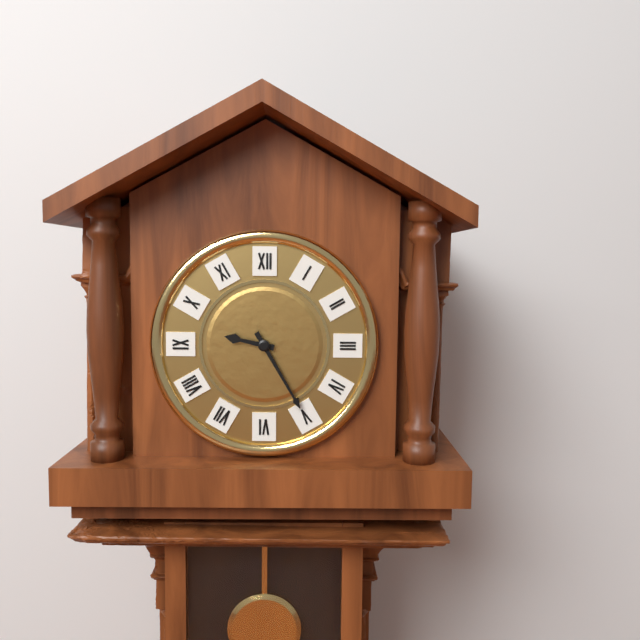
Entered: {"hour": 9, "minute": 25}
